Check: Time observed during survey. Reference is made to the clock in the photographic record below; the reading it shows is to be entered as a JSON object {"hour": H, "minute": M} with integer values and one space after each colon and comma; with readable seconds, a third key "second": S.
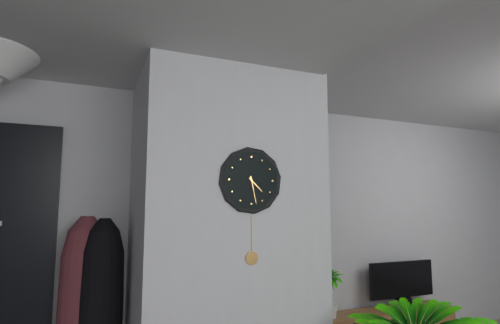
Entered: {"hour": 4, "minute": 28}
